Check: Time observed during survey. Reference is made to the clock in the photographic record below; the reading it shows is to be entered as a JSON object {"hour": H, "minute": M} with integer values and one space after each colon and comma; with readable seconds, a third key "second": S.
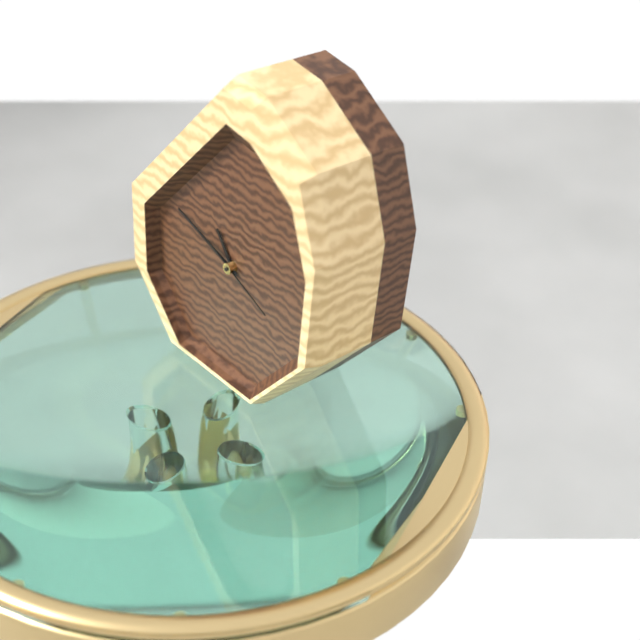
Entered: {"hour": 10, "minute": 48, "second": 19}
